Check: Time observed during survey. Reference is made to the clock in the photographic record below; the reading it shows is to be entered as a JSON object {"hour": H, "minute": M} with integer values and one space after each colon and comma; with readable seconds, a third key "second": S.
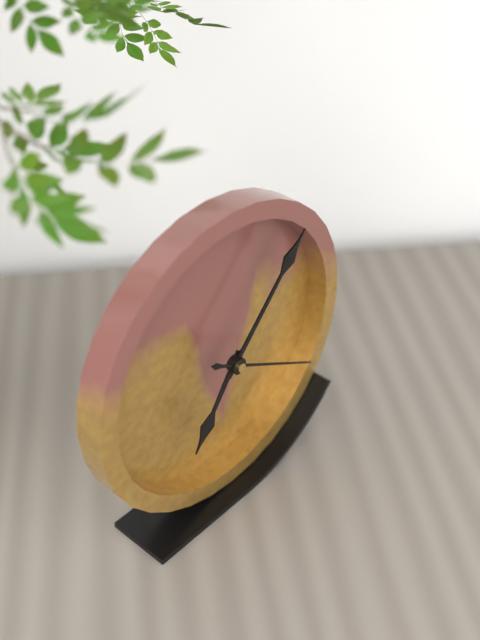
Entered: {"hour": 7, "minute": 7, "second": 20}
